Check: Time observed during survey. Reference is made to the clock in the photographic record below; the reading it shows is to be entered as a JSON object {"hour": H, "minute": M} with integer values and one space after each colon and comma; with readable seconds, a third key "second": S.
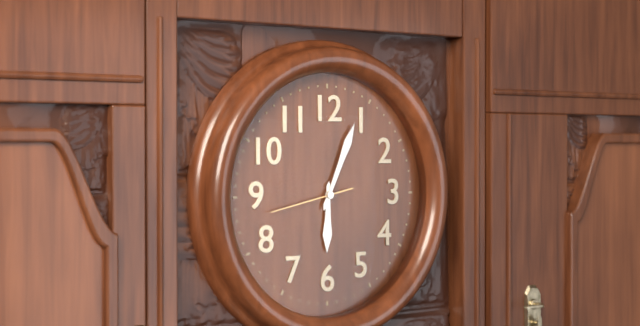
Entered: {"hour": 6, "minute": 4, "second": 43}
